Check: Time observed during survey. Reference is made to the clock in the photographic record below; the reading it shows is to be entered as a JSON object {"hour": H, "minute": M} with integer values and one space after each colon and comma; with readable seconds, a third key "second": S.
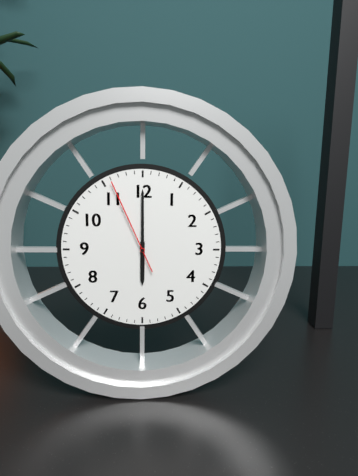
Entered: {"hour": 6, "minute": 0, "second": 56}
